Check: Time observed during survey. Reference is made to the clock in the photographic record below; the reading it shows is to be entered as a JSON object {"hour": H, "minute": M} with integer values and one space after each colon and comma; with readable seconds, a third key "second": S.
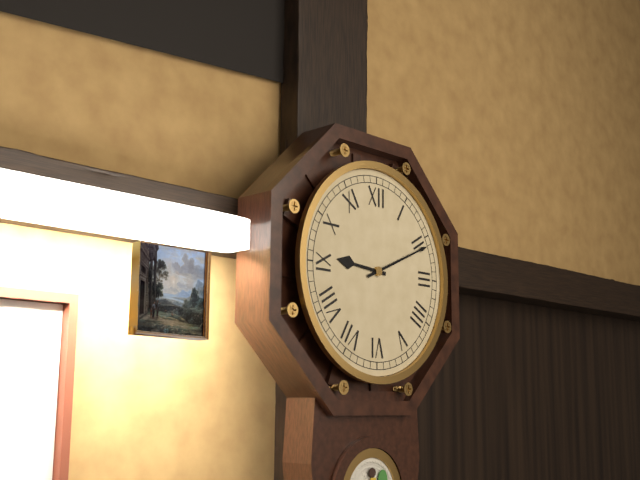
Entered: {"hour": 9, "minute": 11}
